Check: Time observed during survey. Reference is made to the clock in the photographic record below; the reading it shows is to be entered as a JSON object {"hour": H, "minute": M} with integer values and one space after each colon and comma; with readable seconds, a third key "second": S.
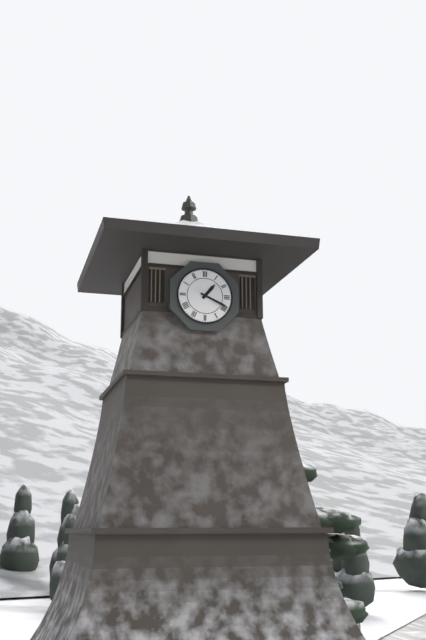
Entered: {"hour": 1, "minute": 19}
